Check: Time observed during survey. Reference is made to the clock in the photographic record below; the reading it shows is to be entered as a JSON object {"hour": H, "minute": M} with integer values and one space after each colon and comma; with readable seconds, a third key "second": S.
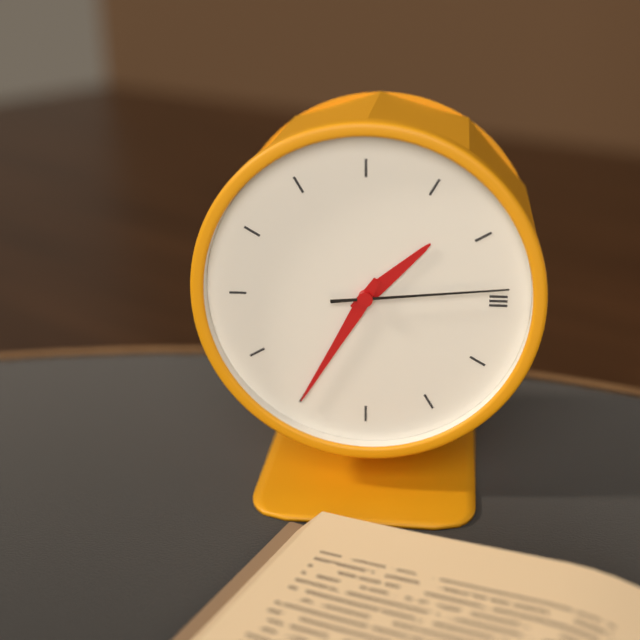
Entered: {"hour": 1, "minute": 35, "second": 14}
